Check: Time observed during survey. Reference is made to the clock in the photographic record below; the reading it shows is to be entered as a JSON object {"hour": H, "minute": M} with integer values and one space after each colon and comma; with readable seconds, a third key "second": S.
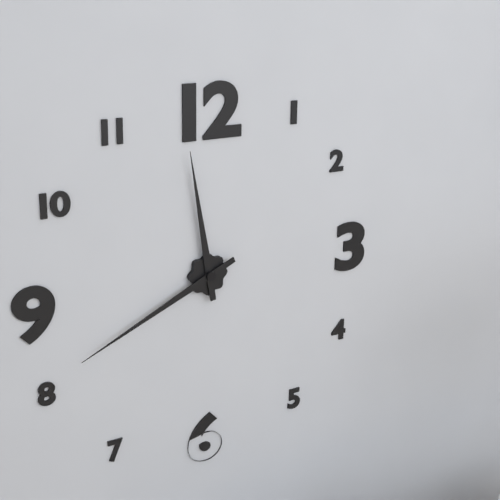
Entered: {"hour": 11, "minute": 41}
